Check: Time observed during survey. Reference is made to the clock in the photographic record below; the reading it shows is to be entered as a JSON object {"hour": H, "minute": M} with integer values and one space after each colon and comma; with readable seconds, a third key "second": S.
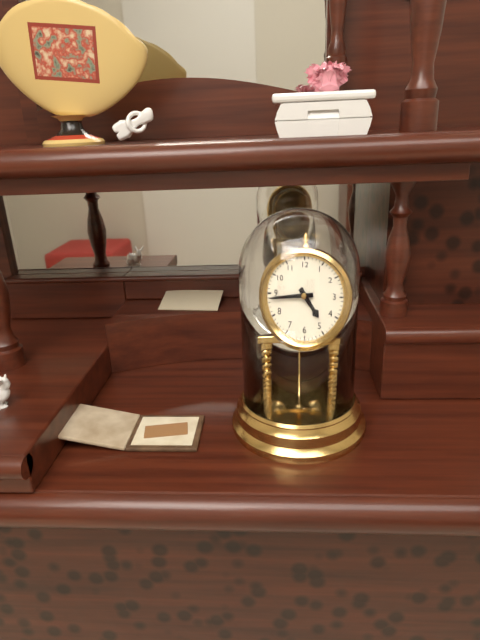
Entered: {"hour": 4, "minute": 44}
